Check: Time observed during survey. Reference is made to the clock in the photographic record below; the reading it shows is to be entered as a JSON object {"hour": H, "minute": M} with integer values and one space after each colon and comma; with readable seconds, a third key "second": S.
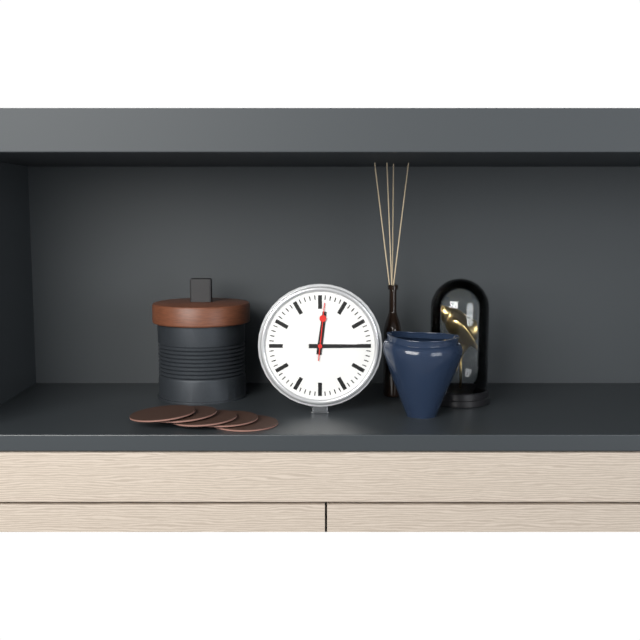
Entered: {"hour": 12, "minute": 15, "second": 1}
